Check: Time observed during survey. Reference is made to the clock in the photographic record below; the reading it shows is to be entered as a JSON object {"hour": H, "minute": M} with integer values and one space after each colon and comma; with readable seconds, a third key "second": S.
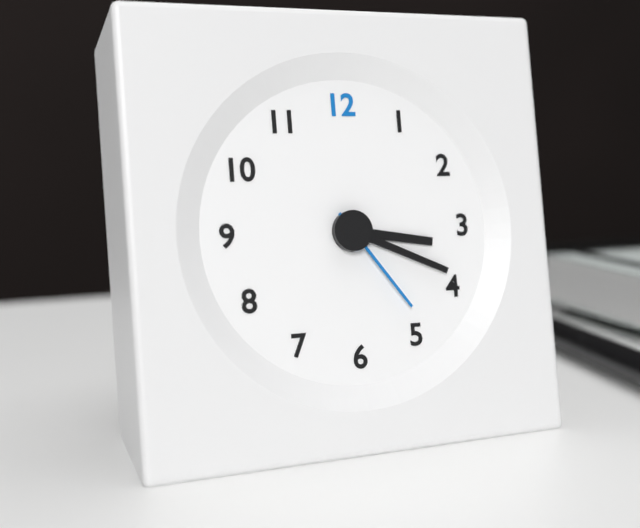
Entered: {"hour": 3, "minute": 19, "second": 24}
